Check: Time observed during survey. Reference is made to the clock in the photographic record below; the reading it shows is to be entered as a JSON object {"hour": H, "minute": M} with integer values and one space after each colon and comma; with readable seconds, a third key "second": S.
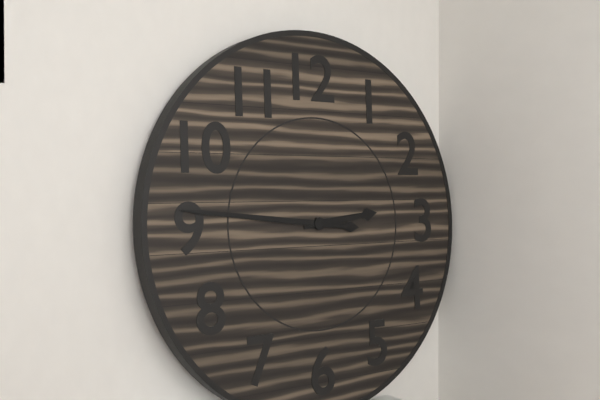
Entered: {"hour": 2, "minute": 46}
